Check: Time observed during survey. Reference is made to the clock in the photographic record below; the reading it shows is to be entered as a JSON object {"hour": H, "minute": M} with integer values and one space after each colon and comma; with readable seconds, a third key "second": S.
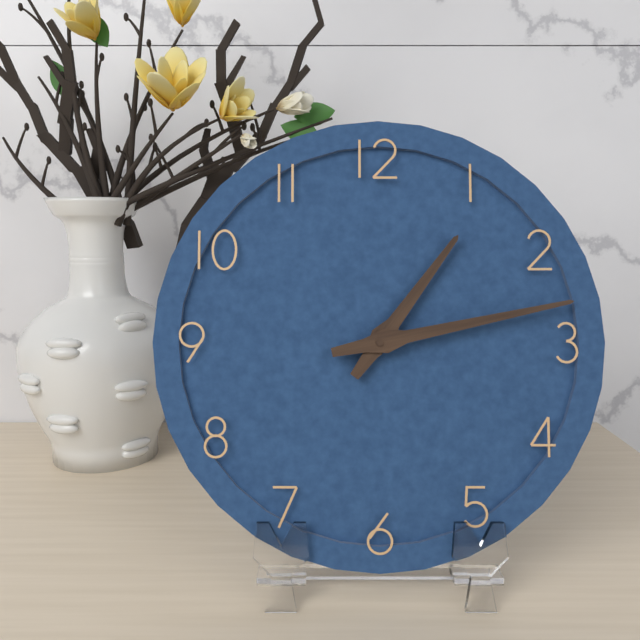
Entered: {"hour": 1, "minute": 13}
